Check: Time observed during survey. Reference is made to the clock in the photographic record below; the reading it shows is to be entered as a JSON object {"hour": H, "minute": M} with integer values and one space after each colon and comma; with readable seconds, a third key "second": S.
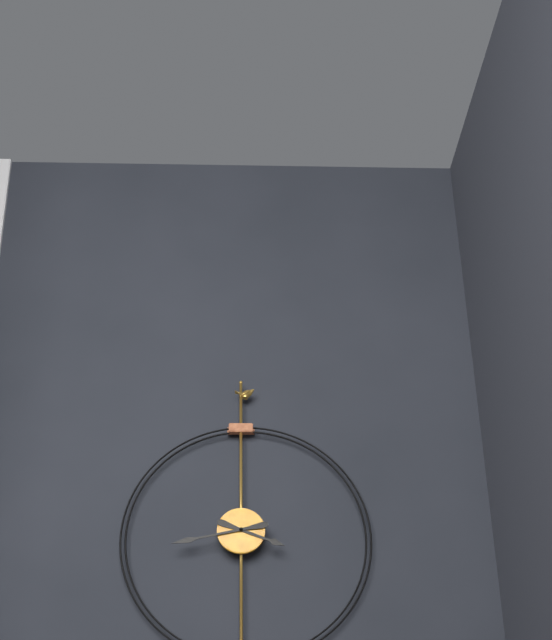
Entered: {"hour": 3, "minute": 43}
